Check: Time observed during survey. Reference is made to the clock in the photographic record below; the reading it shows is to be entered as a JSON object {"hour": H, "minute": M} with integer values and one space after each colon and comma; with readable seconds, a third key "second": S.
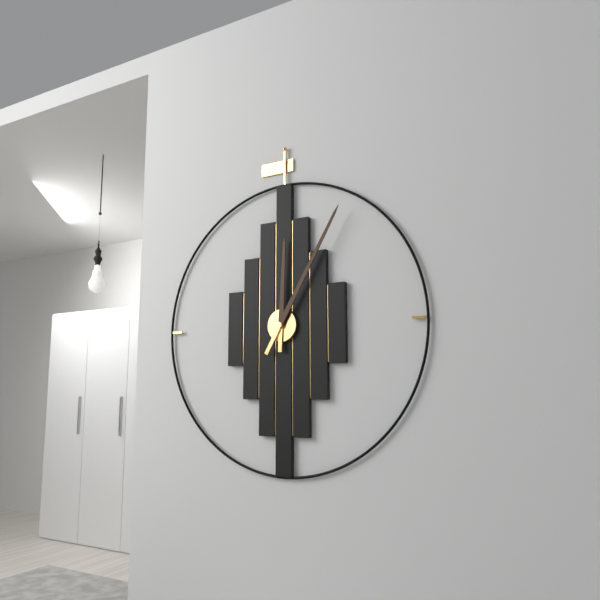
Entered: {"hour": 12, "minute": 5}
